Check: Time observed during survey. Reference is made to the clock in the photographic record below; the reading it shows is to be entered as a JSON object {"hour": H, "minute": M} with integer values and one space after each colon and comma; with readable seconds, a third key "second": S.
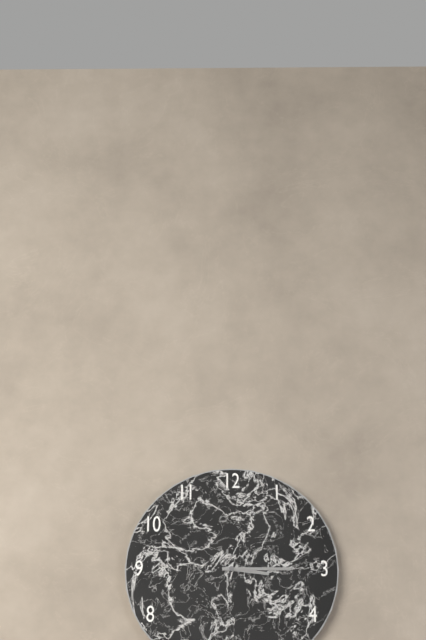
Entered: {"hour": 3, "minute": 15}
